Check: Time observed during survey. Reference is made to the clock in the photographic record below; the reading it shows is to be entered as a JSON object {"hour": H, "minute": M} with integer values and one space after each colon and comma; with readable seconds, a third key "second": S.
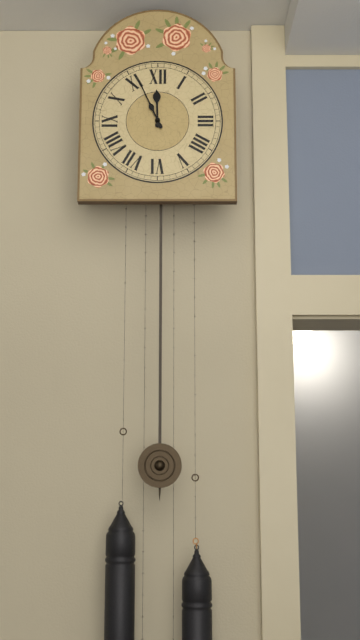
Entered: {"hour": 11, "minute": 56}
